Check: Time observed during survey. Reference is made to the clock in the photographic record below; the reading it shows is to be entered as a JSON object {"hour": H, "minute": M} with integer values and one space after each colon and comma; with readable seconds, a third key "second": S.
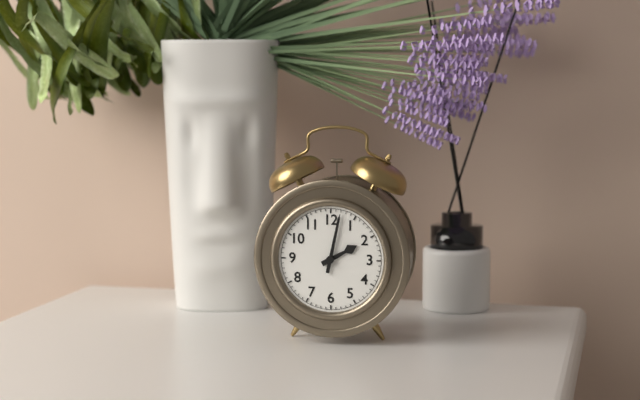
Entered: {"hour": 2, "minute": 2}
